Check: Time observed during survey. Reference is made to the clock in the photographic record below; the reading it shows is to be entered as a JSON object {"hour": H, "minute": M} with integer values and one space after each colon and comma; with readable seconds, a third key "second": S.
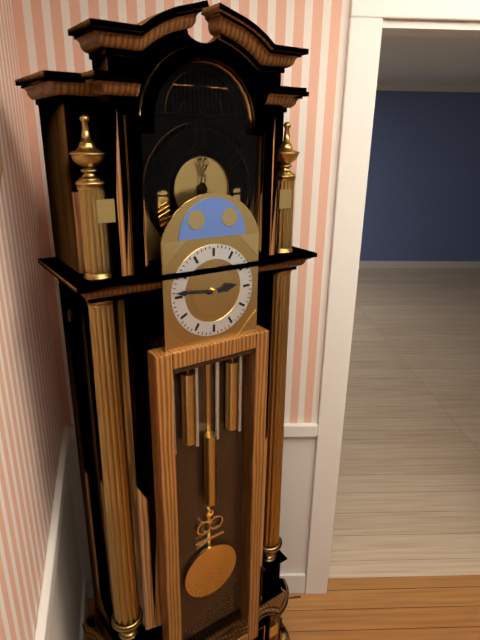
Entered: {"hour": 2, "minute": 46}
